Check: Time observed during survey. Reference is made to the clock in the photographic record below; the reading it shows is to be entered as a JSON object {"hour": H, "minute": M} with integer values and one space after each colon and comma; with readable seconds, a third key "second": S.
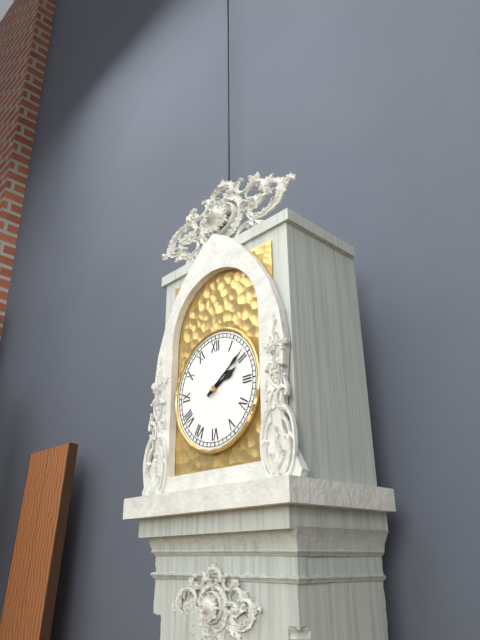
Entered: {"hour": 2, "minute": 9}
